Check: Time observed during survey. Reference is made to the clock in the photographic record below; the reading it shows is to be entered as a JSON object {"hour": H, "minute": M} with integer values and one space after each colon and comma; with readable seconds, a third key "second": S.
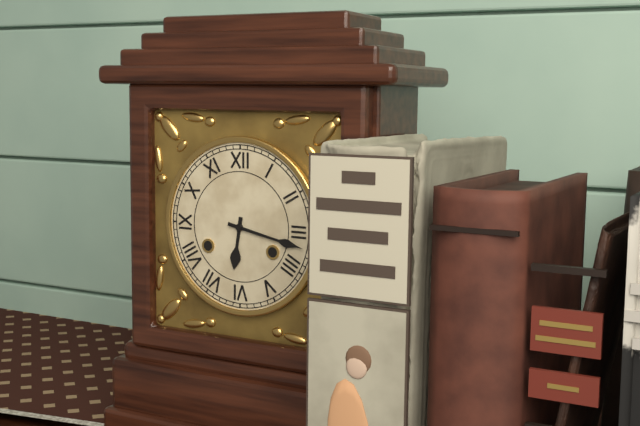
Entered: {"hour": 6, "minute": 17}
